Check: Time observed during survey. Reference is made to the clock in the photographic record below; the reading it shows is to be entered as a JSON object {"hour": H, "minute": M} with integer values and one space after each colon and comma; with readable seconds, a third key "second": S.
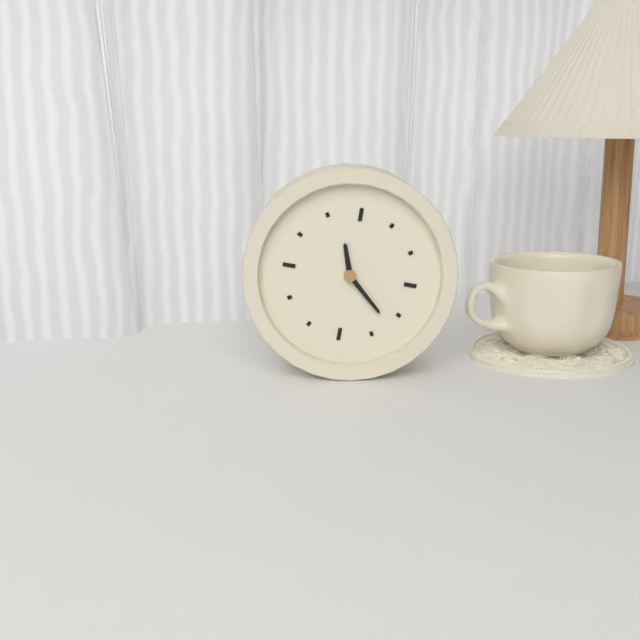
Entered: {"hour": 11, "minute": 22}
